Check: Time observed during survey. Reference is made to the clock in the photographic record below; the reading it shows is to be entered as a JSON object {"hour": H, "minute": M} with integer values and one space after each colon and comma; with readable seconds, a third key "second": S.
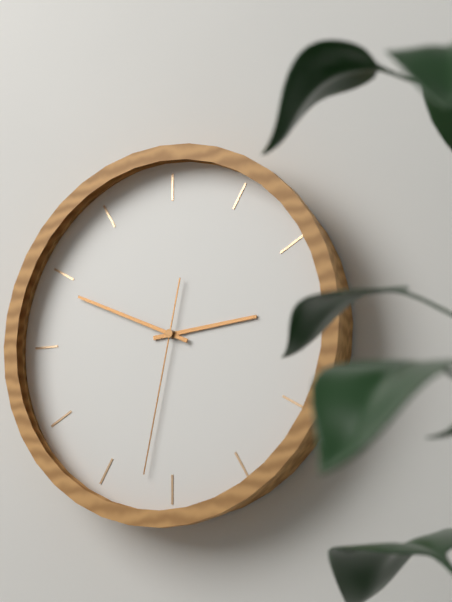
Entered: {"hour": 2, "minute": 49, "second": 32}
